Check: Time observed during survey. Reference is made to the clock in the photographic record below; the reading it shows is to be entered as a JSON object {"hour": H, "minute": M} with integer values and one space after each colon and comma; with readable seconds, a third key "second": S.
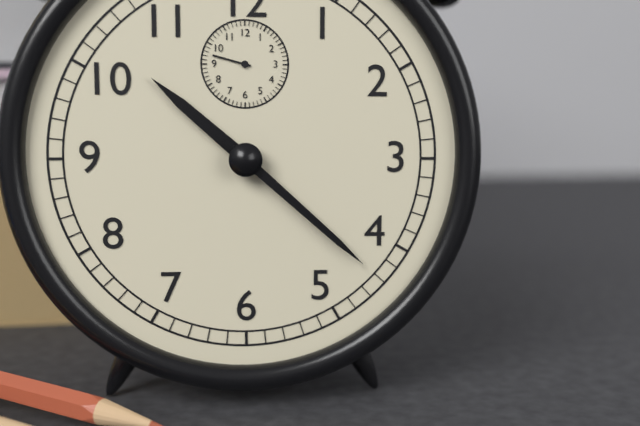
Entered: {"hour": 10, "minute": 22}
